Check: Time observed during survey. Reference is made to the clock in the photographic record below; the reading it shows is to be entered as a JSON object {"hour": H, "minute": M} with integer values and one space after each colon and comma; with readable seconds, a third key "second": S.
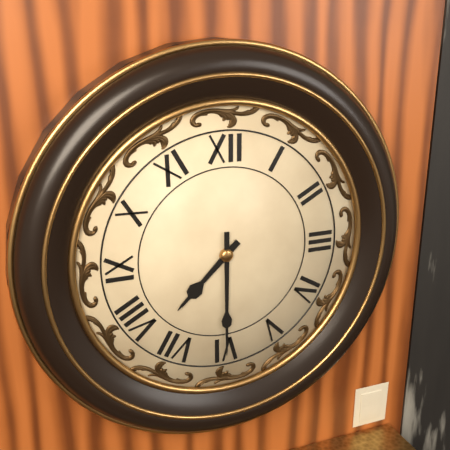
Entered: {"hour": 7, "minute": 30}
